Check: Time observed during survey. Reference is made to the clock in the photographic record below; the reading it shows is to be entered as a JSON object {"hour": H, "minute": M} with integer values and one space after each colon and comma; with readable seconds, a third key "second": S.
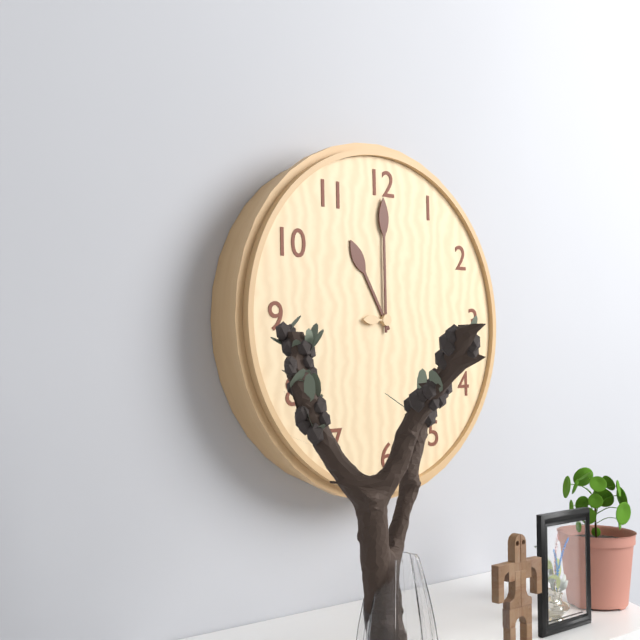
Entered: {"hour": 11, "minute": 0}
